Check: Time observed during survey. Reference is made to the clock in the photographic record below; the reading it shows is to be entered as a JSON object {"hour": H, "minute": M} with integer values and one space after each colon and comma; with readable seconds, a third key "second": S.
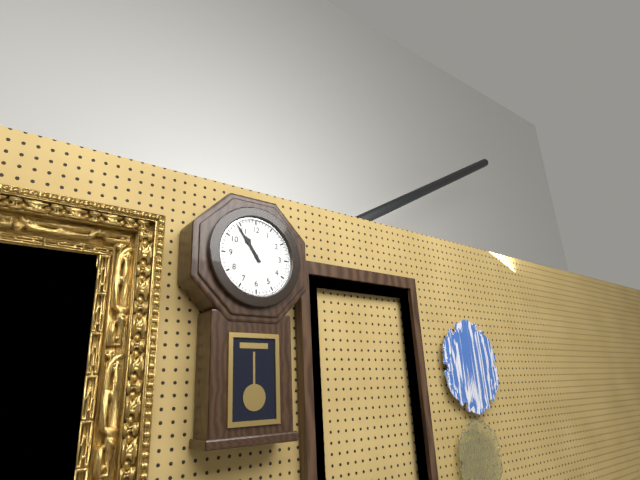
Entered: {"hour": 10, "minute": 54}
